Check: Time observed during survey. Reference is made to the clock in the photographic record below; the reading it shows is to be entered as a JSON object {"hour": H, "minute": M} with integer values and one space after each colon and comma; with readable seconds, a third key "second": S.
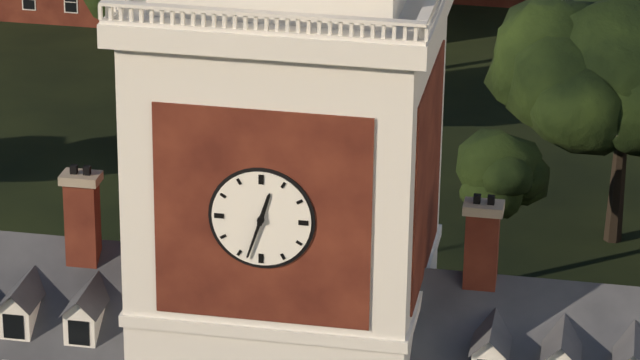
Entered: {"hour": 12, "minute": 33}
